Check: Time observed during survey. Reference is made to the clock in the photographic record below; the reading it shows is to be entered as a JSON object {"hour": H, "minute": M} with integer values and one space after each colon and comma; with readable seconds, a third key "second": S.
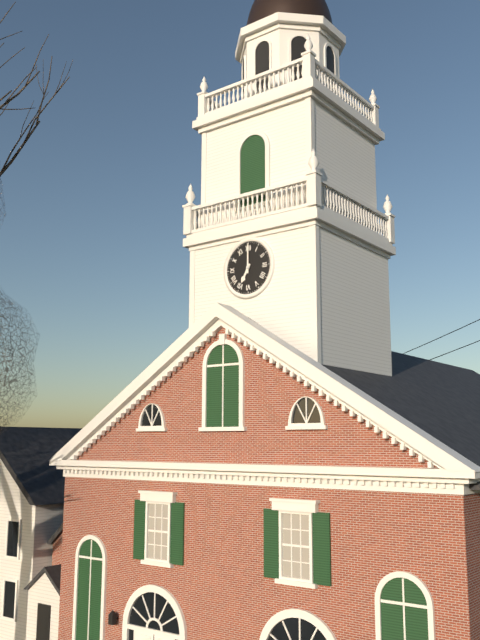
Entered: {"hour": 7, "minute": 0}
